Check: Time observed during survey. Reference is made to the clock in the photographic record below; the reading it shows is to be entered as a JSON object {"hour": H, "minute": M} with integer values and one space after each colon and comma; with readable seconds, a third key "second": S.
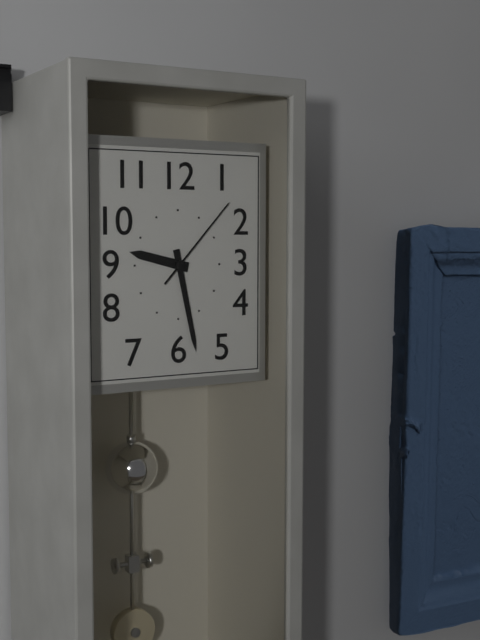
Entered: {"hour": 9, "minute": 28, "second": 7}
